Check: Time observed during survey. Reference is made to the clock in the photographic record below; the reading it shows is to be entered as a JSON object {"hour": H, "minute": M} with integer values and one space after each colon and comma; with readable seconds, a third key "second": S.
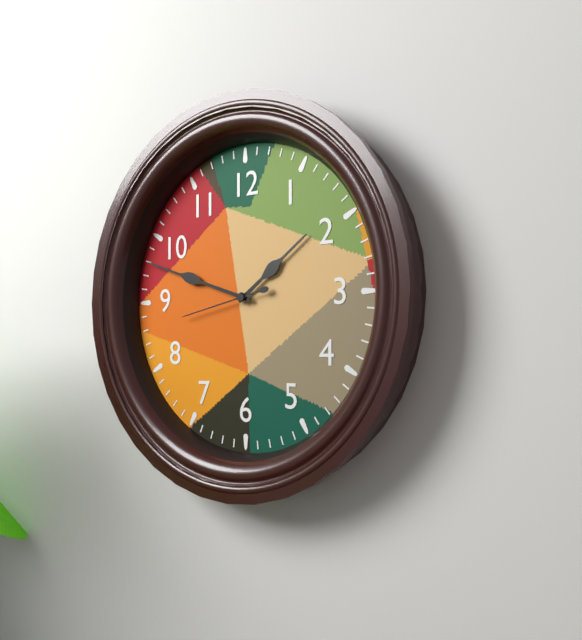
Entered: {"hour": 1, "minute": 48, "second": 43}
